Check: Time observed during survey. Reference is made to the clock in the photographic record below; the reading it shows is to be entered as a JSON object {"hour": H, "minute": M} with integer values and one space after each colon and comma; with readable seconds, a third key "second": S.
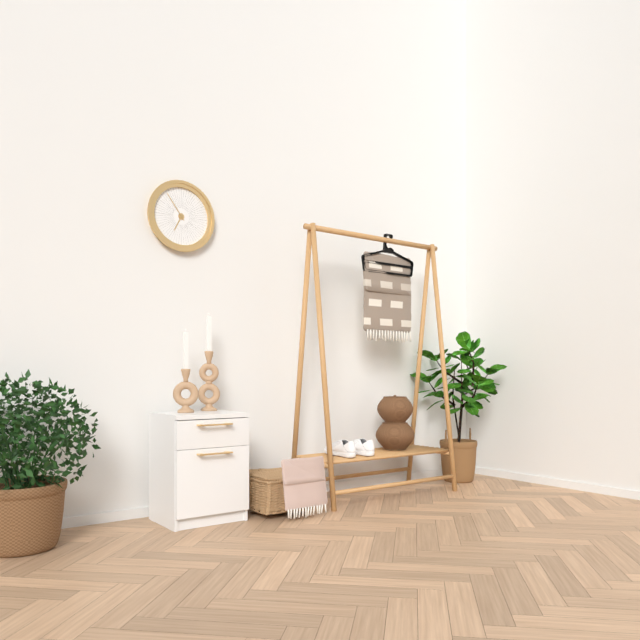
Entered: {"hour": 6, "minute": 54}
